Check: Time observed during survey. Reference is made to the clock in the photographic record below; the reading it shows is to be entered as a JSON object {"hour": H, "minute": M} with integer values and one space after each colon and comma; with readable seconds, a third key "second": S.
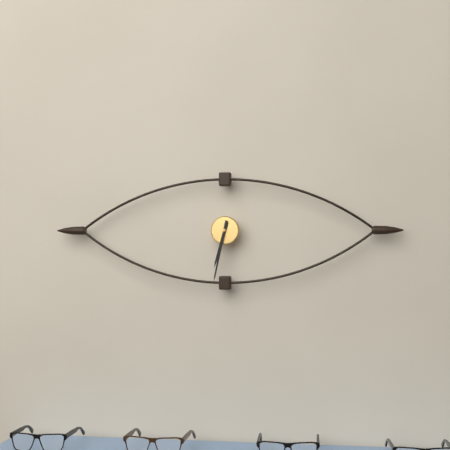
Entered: {"hour": 6, "minute": 32}
